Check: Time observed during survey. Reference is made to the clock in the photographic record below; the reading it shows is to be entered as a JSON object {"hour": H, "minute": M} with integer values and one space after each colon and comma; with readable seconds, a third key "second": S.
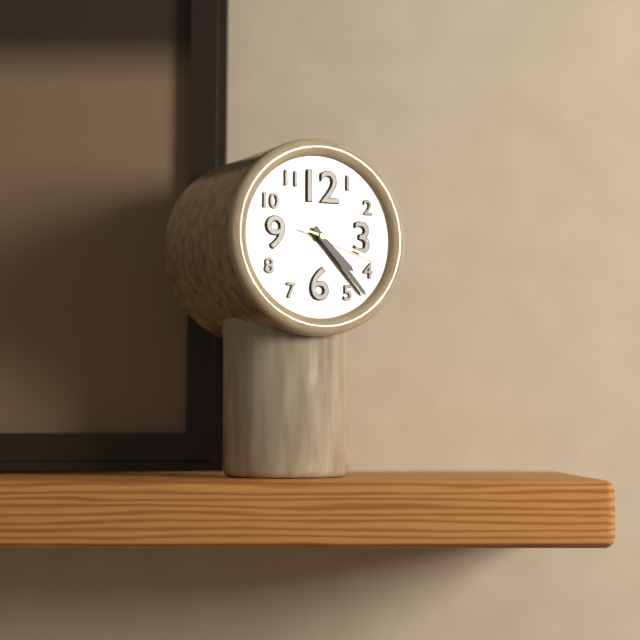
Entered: {"hour": 4, "minute": 23, "second": 18}
